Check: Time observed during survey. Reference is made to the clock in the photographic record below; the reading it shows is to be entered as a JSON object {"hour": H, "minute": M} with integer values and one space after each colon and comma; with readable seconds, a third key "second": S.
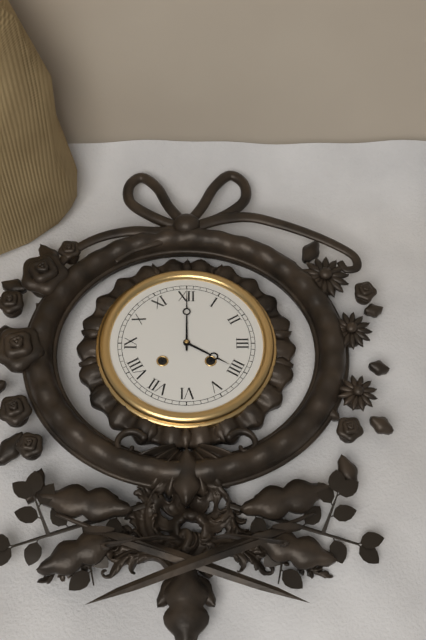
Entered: {"hour": 4, "minute": 0}
